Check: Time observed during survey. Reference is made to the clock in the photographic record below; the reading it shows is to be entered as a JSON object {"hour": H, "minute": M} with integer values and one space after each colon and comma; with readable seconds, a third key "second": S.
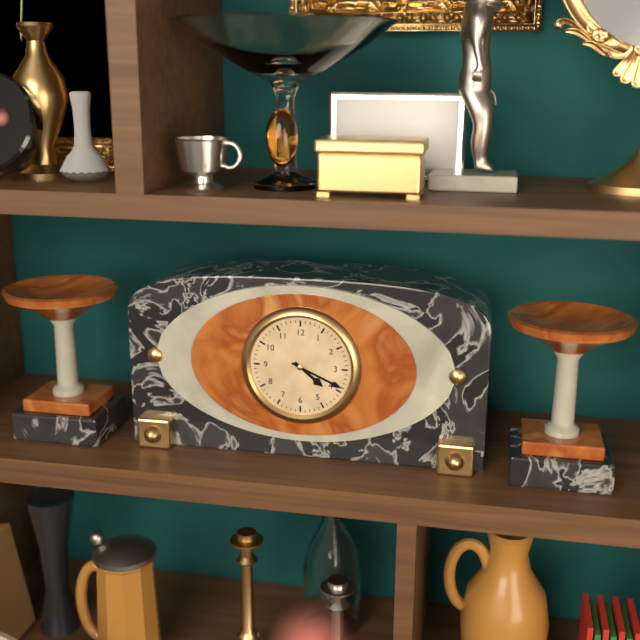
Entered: {"hour": 4, "minute": 19}
